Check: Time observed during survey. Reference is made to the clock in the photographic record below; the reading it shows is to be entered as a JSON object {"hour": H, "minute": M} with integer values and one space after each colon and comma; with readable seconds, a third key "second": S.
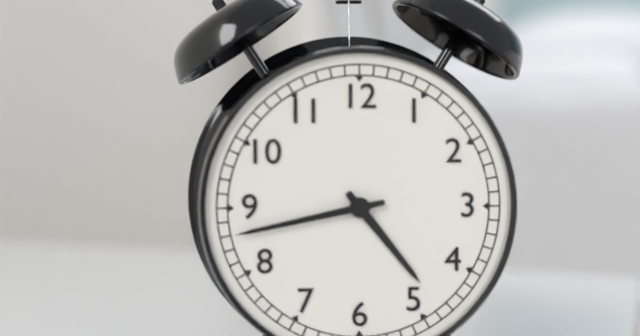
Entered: {"hour": 4, "minute": 43}
